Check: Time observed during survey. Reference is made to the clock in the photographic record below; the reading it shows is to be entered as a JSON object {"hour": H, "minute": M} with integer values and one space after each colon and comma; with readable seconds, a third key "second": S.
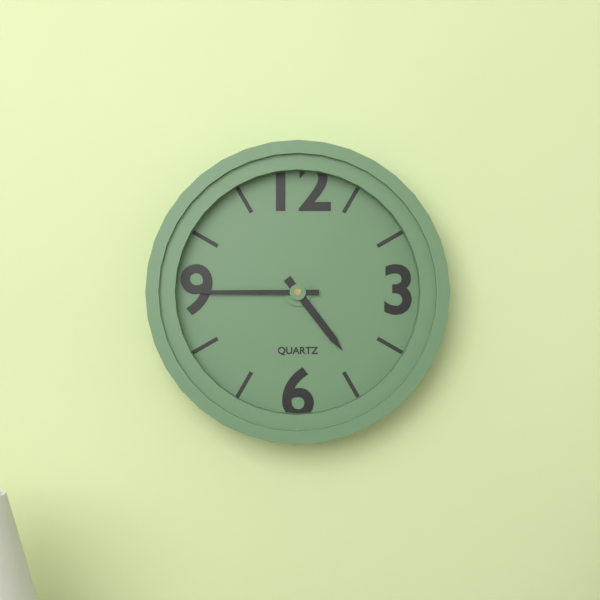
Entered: {"hour": 4, "minute": 45}
